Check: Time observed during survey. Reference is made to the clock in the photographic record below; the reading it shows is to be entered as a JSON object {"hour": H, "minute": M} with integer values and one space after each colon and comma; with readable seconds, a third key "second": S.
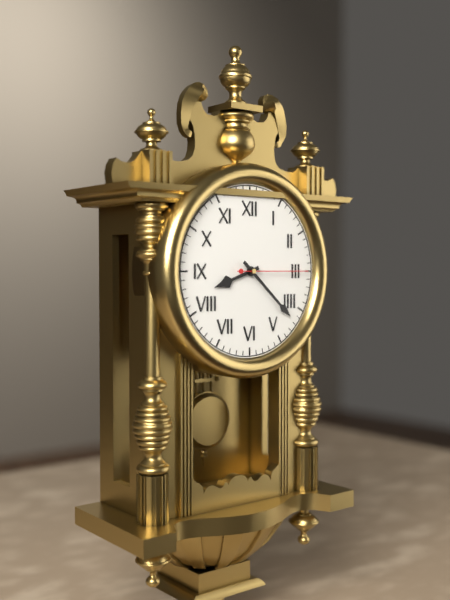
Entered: {"hour": 8, "minute": 22, "second": 15}
